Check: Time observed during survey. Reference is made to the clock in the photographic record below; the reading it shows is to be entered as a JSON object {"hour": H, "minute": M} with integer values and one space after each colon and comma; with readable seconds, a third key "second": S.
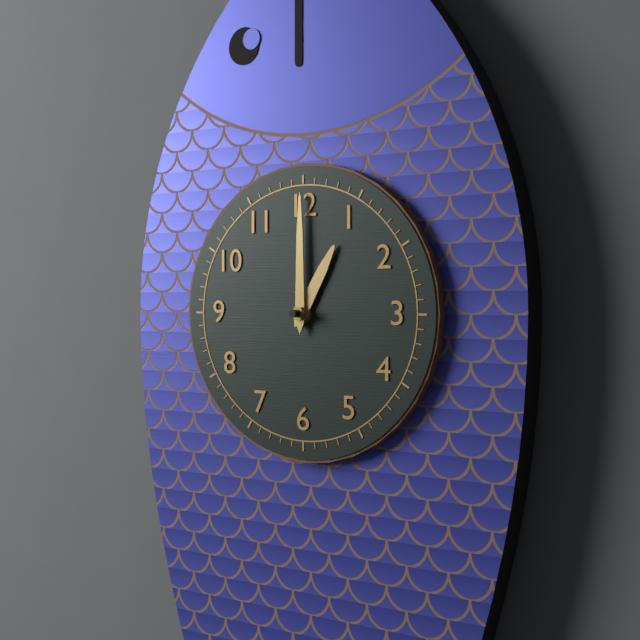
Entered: {"hour": 1, "minute": 0}
